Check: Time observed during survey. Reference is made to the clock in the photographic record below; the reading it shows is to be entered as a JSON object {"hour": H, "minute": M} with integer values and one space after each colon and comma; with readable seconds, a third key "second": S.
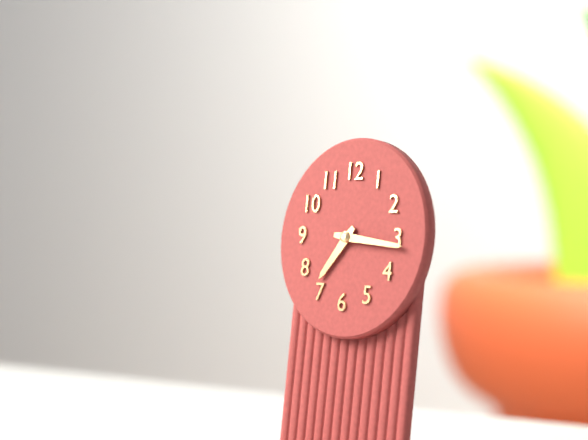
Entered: {"hour": 7, "minute": 16}
